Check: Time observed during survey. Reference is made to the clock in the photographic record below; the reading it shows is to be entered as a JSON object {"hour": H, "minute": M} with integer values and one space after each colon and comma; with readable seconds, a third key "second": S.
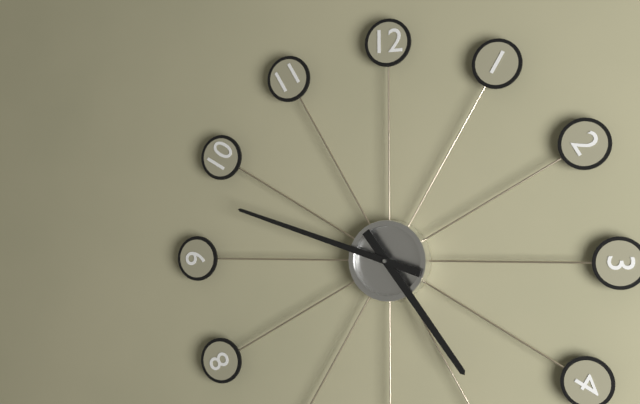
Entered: {"hour": 4, "minute": 48}
